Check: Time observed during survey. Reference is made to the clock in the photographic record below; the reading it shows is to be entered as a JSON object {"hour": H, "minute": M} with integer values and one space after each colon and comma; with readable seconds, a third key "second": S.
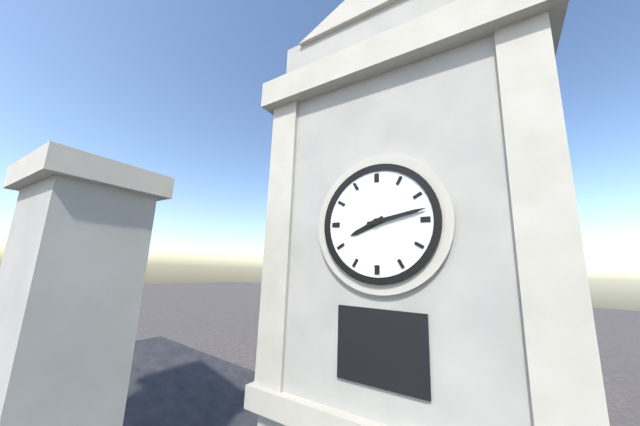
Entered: {"hour": 8, "minute": 13}
